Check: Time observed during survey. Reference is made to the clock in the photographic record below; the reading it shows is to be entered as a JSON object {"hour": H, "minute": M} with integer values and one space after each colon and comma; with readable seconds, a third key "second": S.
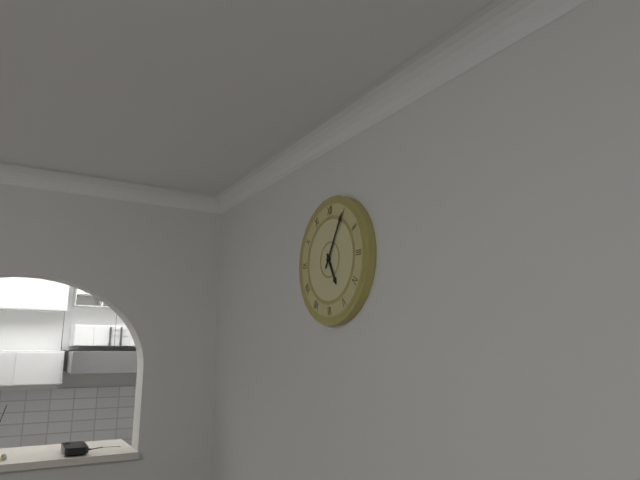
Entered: {"hour": 5, "minute": 5}
